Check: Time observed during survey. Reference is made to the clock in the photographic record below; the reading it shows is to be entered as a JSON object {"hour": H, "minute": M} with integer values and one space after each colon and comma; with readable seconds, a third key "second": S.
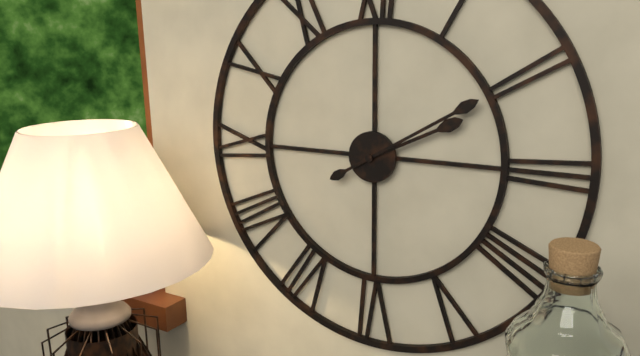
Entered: {"hour": 2, "minute": 10}
